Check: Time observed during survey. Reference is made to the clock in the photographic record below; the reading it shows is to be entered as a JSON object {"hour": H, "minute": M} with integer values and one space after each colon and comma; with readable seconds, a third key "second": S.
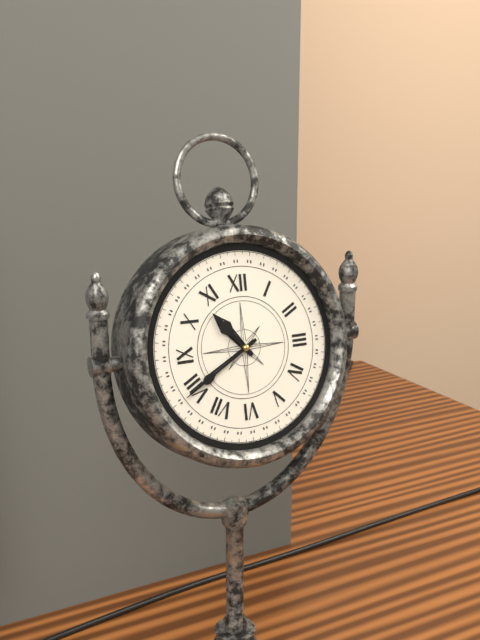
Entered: {"hour": 10, "minute": 40}
